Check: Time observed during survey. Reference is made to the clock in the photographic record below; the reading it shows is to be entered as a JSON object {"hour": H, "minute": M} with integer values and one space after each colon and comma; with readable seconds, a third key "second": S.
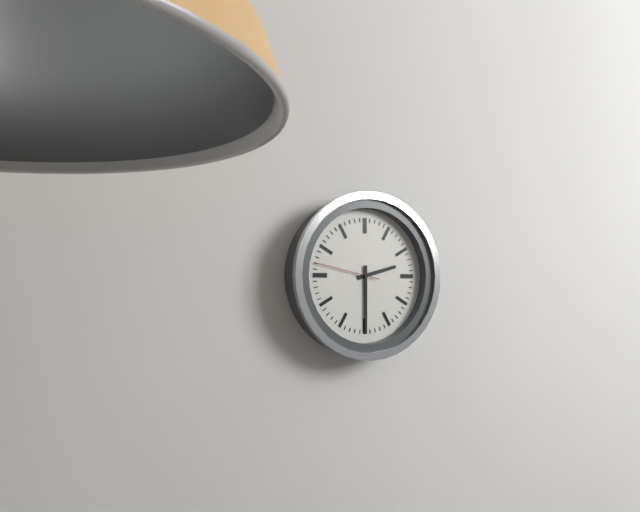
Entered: {"hour": 2, "minute": 30, "second": 47}
